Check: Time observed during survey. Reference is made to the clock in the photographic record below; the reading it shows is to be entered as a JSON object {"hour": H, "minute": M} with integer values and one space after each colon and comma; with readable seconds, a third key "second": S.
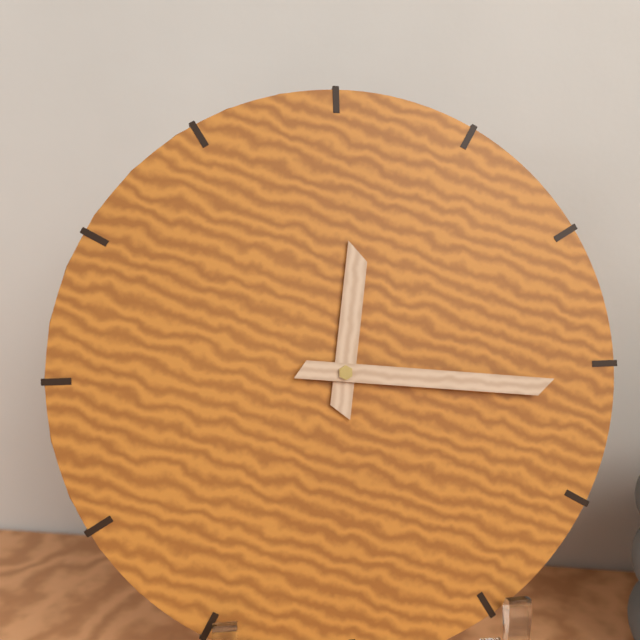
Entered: {"hour": 12, "minute": 16}
